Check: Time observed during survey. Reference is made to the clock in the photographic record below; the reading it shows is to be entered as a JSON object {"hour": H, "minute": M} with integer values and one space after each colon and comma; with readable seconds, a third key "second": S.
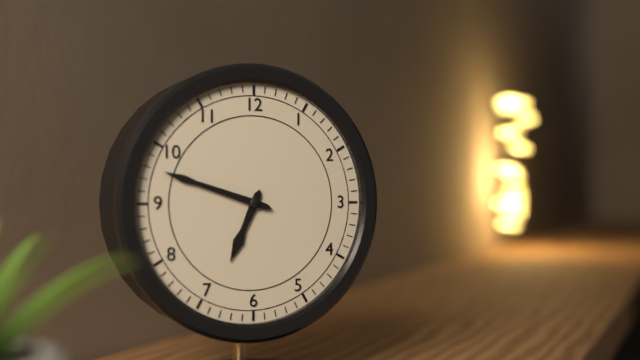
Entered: {"hour": 6, "minute": 48}
